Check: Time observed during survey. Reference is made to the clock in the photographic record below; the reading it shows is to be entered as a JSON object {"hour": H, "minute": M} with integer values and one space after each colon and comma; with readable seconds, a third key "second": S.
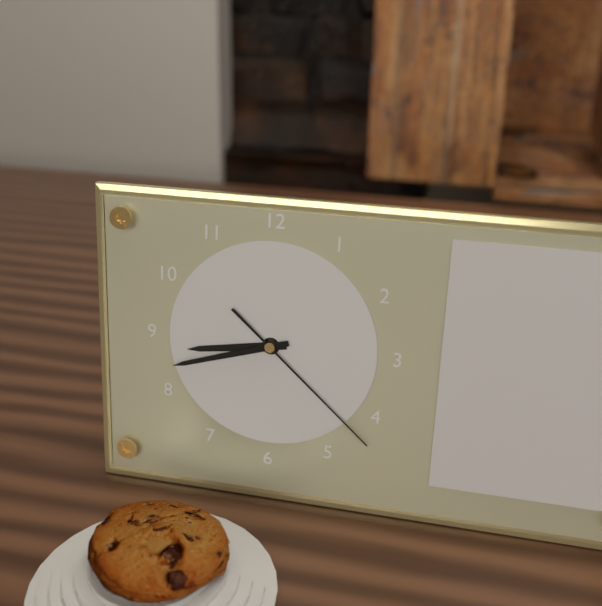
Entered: {"hour": 8, "minute": 42, "second": 22}
